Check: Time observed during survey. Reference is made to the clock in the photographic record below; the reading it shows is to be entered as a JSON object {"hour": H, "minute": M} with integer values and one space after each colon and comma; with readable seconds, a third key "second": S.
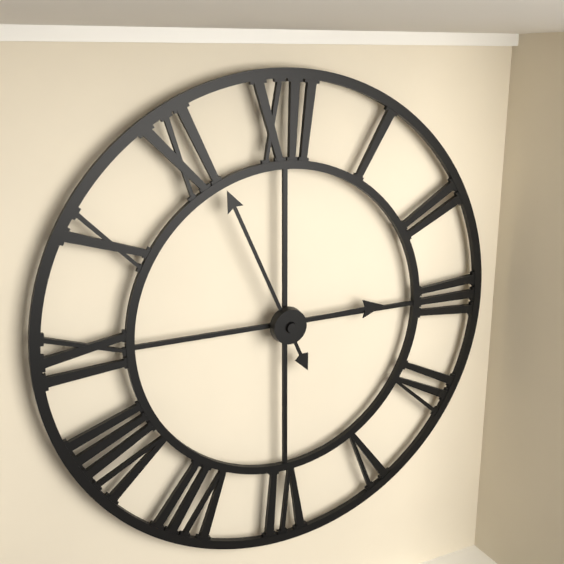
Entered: {"hour": 2, "minute": 56}
